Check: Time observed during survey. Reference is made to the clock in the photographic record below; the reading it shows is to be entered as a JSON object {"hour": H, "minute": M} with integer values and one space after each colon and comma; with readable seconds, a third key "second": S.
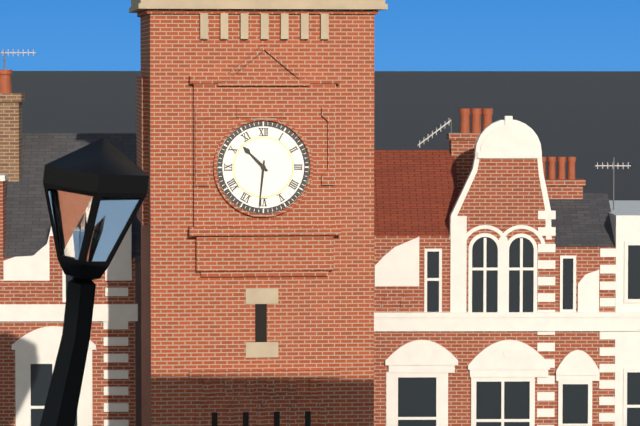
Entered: {"hour": 10, "minute": 31}
